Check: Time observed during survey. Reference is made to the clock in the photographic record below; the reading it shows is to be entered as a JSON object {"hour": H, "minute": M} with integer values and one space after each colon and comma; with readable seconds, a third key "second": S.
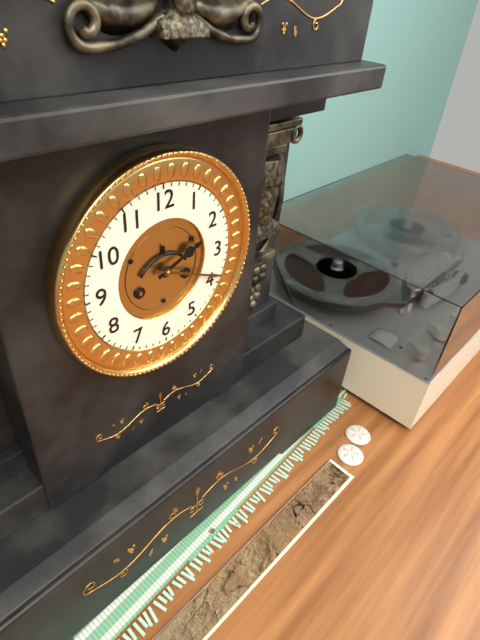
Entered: {"hour": 2, "minute": 19}
